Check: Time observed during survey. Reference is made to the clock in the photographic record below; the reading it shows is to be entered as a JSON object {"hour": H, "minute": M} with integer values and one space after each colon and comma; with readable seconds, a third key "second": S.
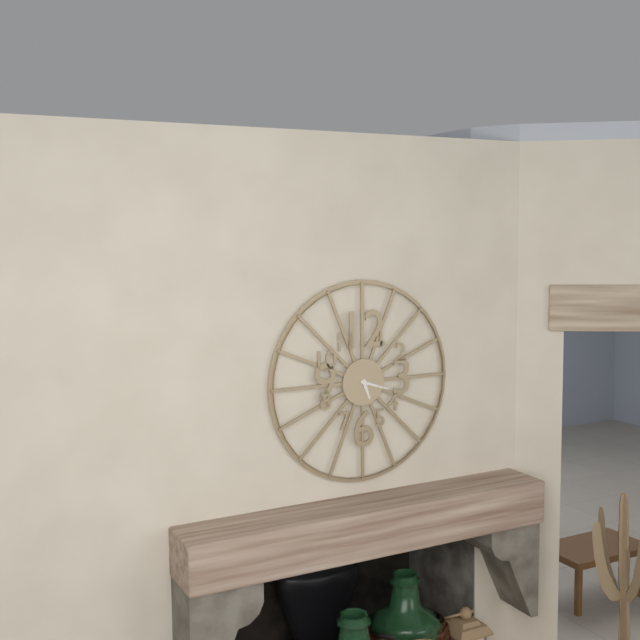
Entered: {"hour": 5, "minute": 18}
